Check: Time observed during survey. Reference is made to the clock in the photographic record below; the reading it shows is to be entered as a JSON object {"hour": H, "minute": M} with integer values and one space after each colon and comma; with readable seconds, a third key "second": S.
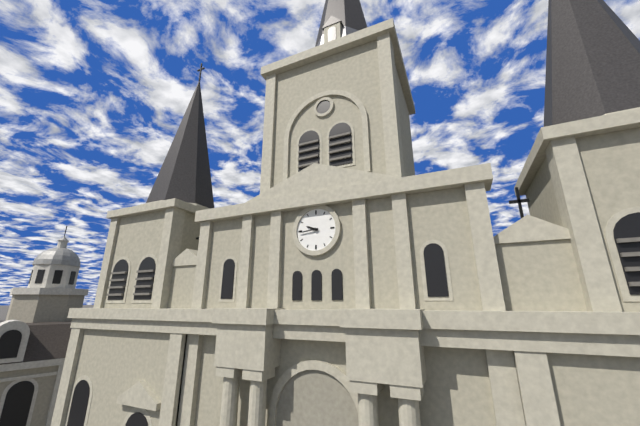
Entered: {"hour": 9, "minute": 44}
